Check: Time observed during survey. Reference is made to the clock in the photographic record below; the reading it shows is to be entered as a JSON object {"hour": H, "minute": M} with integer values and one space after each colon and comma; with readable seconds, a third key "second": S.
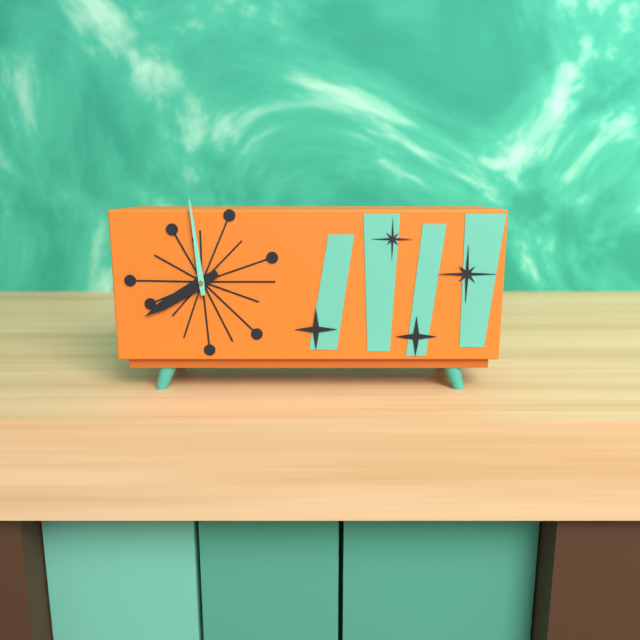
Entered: {"hour": 7, "minute": 59}
